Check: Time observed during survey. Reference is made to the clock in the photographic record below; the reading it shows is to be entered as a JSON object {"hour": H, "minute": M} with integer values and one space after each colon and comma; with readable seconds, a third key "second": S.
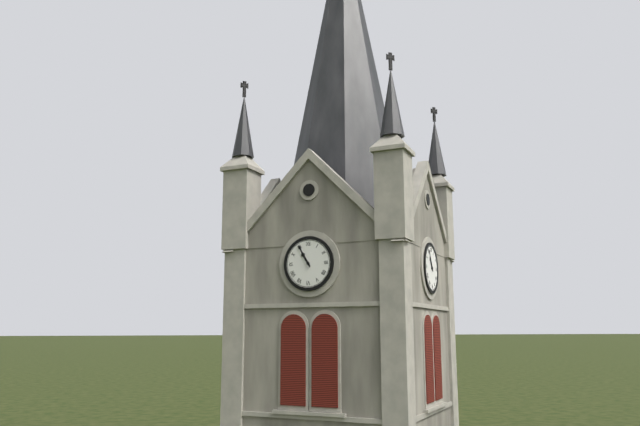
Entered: {"hour": 10, "minute": 55}
